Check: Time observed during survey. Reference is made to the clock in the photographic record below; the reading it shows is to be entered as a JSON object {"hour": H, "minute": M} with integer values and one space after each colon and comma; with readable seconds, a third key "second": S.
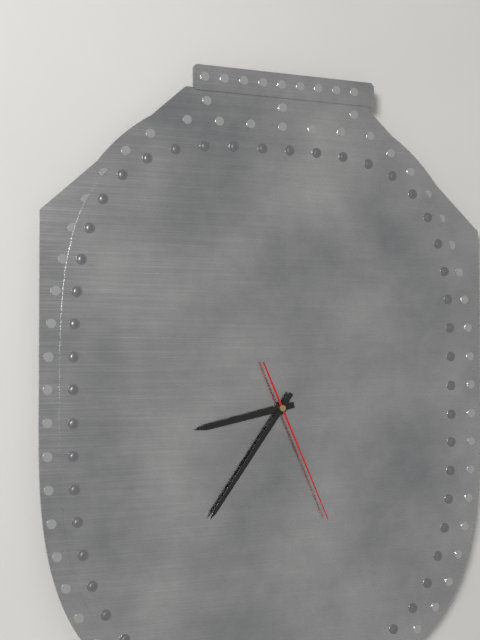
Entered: {"hour": 8, "minute": 36, "second": 26}
